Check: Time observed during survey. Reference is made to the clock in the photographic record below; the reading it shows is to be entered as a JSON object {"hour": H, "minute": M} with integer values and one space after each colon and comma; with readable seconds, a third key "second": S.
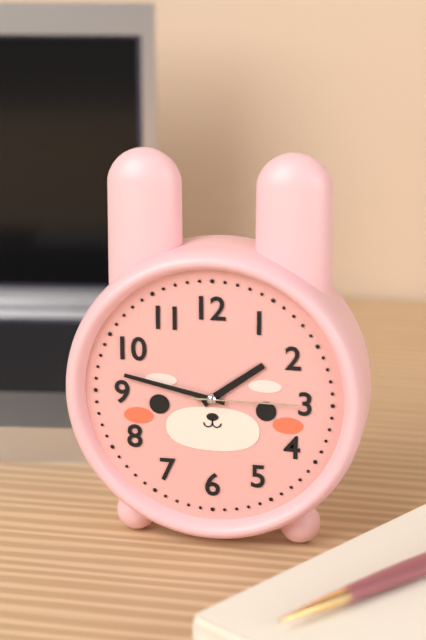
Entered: {"hour": 1, "minute": 47, "second": 15}
